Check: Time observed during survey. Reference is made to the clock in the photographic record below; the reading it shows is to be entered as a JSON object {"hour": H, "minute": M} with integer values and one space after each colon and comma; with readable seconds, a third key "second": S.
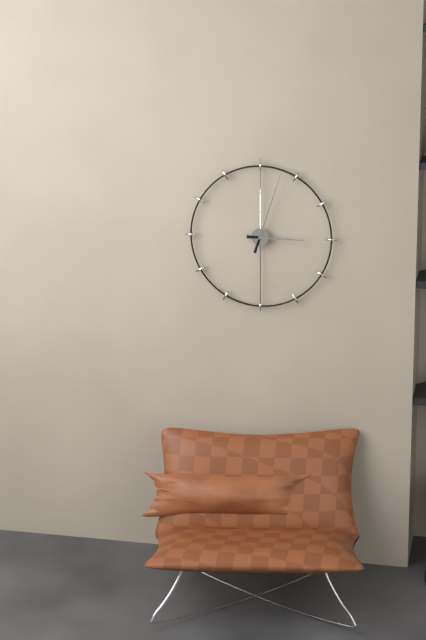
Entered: {"hour": 3, "minute": 3}
